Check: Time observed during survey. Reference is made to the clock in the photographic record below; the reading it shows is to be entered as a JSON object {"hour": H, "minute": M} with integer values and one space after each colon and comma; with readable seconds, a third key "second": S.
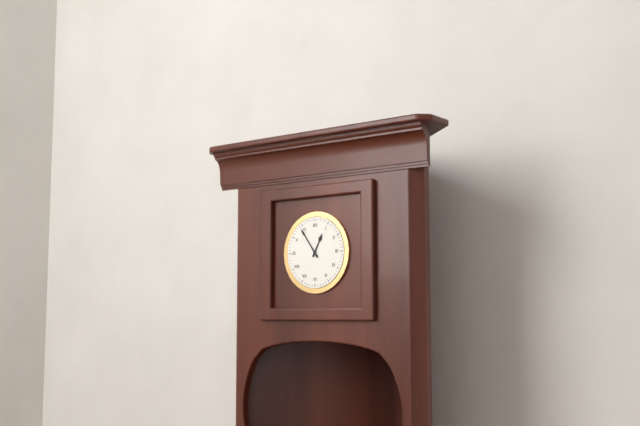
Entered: {"hour": 12, "minute": 54}
